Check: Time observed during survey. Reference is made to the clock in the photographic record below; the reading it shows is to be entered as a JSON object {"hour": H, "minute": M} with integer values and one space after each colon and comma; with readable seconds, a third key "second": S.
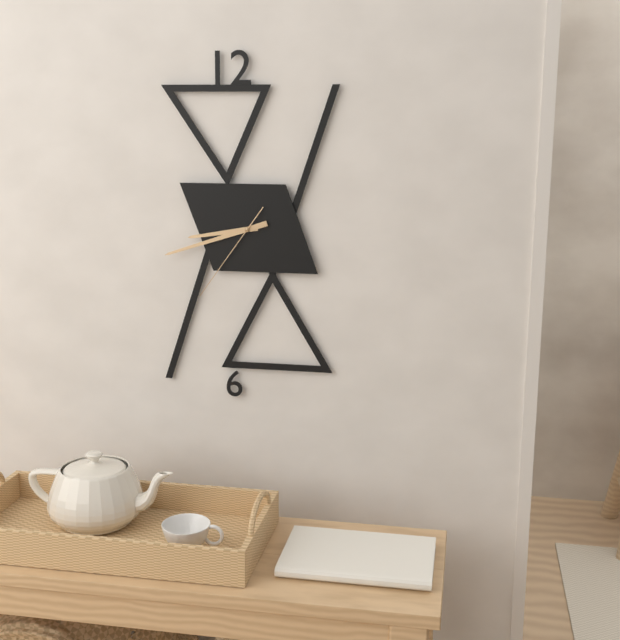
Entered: {"hour": 8, "minute": 42, "second": 36}
